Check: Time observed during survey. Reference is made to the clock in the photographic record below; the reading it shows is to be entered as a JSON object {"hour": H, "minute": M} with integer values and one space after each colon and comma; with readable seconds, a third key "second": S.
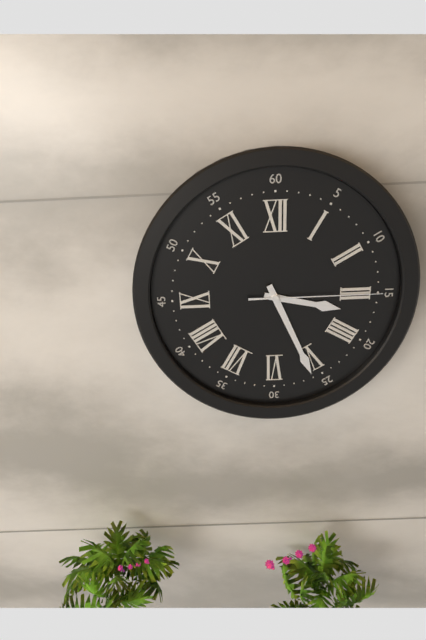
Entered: {"hour": 3, "minute": 26, "second": 15}
